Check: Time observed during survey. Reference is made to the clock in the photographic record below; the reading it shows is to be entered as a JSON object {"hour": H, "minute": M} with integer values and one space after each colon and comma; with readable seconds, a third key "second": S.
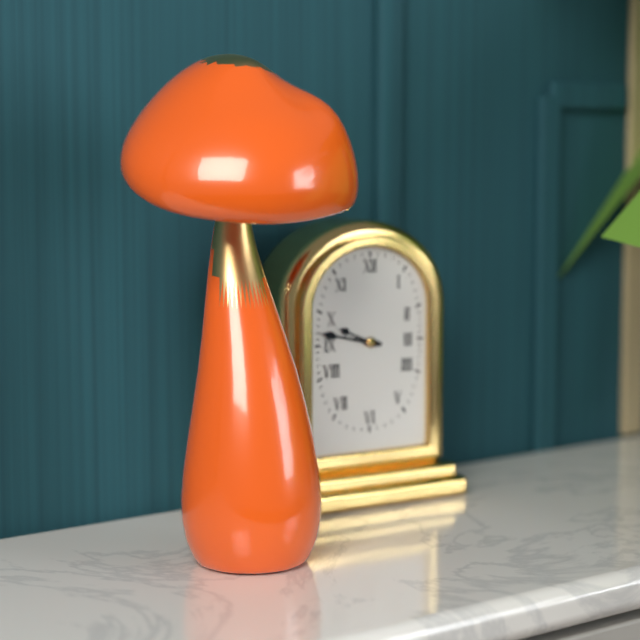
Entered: {"hour": 9, "minute": 47}
